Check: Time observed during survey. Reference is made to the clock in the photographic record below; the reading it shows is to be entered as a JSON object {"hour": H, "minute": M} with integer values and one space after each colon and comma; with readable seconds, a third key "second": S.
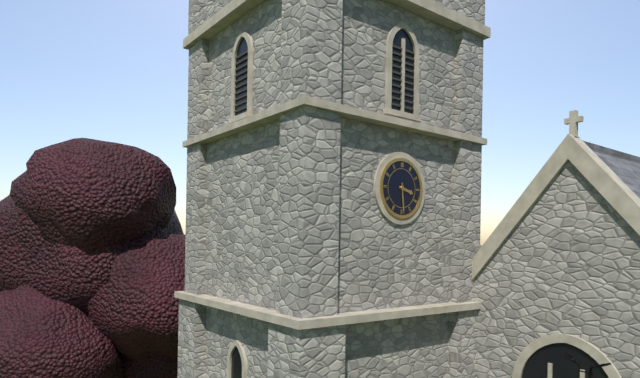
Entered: {"hour": 3, "minute": 29}
